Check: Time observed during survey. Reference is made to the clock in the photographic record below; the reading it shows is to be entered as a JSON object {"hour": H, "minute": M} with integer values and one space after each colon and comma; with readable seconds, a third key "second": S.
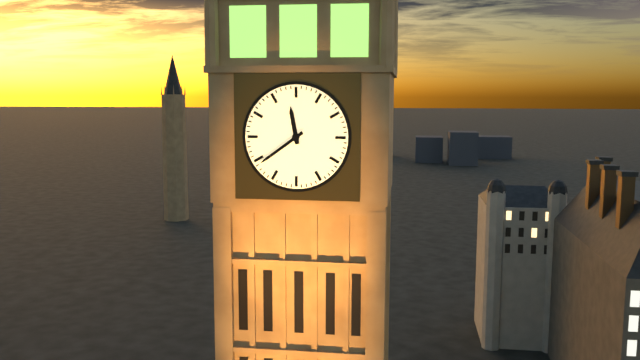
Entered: {"hour": 11, "minute": 39}
